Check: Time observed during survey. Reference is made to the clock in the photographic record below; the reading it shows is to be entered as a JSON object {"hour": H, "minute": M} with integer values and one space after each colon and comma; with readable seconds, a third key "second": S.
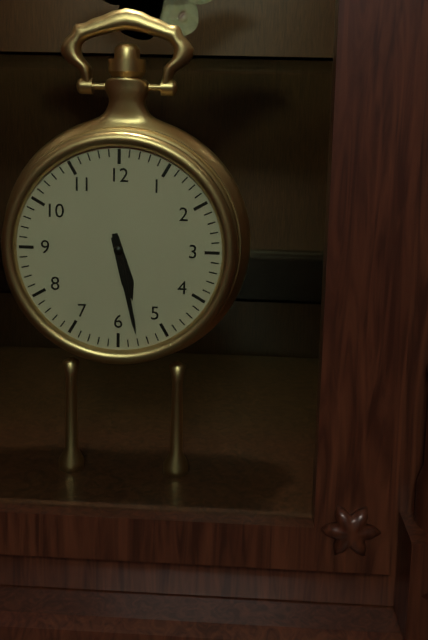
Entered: {"hour": 5, "minute": 28}
